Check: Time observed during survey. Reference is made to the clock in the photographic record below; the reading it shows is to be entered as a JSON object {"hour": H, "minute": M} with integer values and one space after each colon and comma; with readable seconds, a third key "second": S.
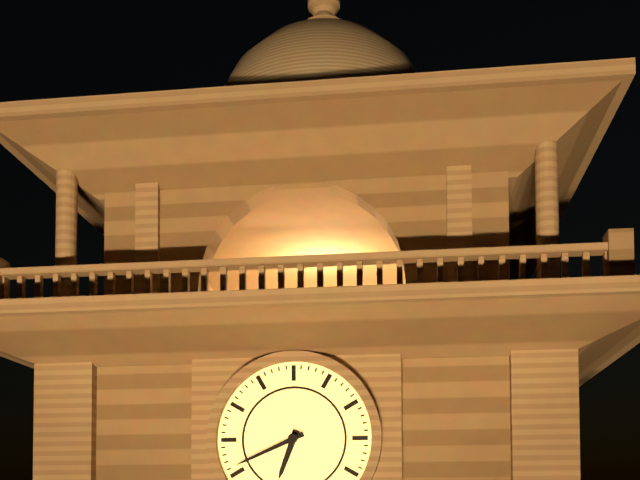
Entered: {"hour": 6, "minute": 41}
